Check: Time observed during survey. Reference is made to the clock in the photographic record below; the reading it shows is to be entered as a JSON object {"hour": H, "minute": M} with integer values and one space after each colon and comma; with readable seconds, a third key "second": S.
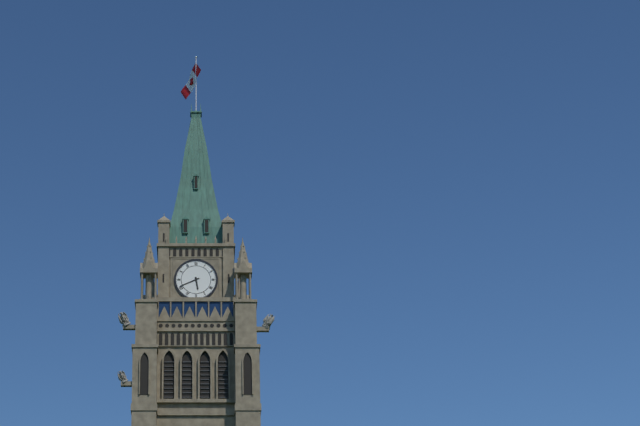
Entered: {"hour": 5, "minute": 41}
